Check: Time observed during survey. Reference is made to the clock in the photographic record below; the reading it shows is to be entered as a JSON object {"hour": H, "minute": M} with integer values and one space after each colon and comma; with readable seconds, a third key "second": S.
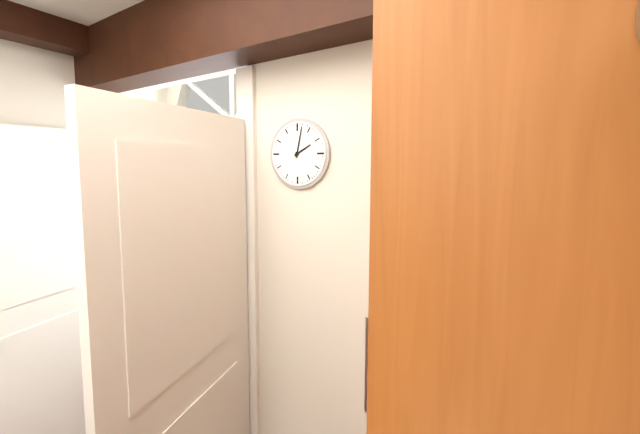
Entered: {"hour": 2, "minute": 2}
